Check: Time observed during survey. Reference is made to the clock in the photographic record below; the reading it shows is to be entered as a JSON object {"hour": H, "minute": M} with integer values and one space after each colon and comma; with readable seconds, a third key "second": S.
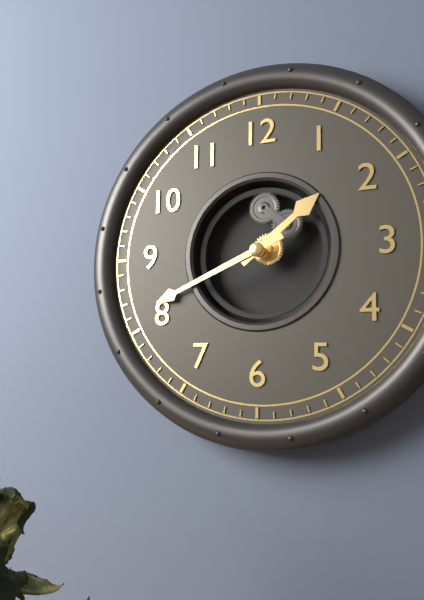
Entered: {"hour": 1, "minute": 41}
